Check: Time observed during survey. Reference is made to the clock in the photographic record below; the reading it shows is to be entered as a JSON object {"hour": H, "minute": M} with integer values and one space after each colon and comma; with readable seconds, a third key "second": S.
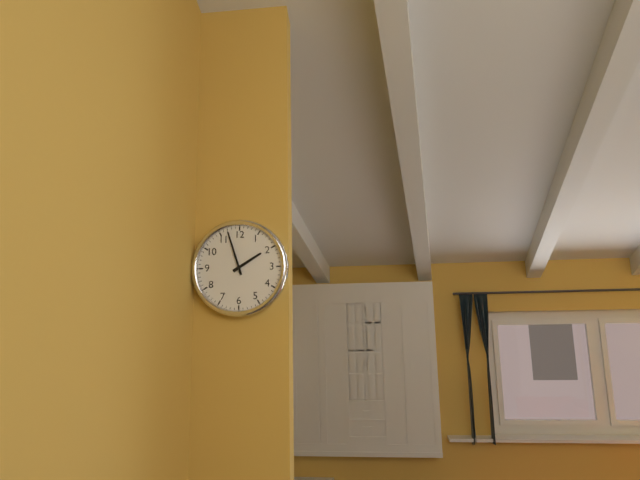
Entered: {"hour": 1, "minute": 57}
